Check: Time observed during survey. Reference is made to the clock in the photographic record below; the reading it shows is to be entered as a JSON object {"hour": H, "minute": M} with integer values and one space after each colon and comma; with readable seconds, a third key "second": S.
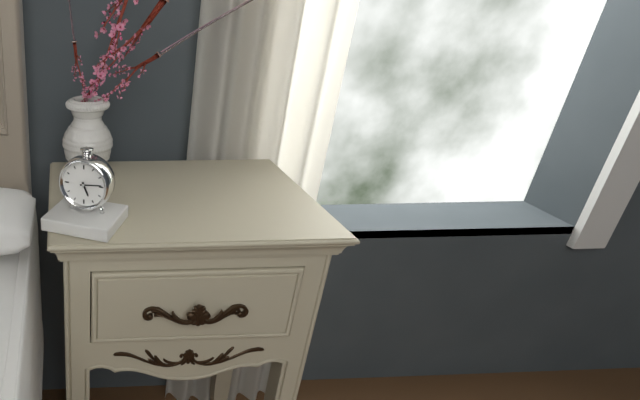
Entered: {"hour": 5, "minute": 14}
